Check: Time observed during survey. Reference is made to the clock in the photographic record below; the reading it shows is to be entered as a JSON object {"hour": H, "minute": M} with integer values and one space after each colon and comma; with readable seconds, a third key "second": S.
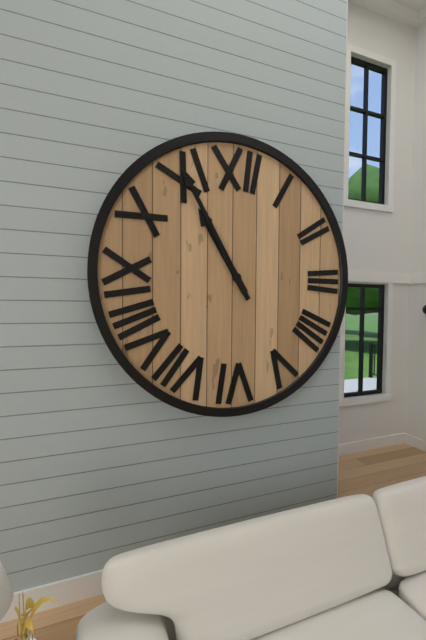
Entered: {"hour": 10, "minute": 55}
